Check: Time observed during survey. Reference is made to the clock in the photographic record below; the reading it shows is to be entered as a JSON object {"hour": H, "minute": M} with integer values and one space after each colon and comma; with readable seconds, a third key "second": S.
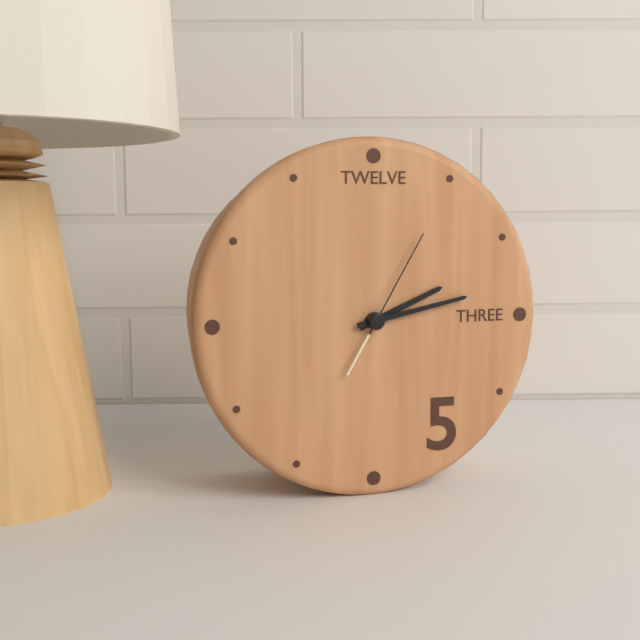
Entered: {"hour": 2, "minute": 13, "second": 5}
